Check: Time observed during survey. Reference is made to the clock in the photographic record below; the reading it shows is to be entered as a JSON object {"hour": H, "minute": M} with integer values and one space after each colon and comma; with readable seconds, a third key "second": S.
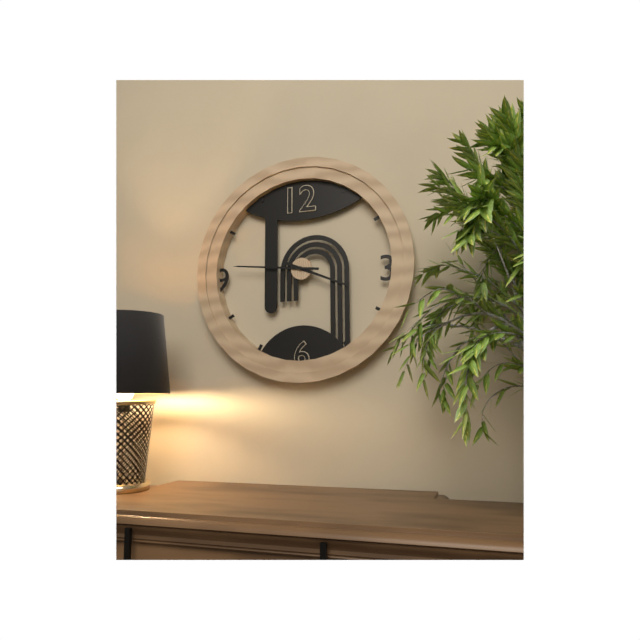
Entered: {"hour": 3, "minute": 46}
